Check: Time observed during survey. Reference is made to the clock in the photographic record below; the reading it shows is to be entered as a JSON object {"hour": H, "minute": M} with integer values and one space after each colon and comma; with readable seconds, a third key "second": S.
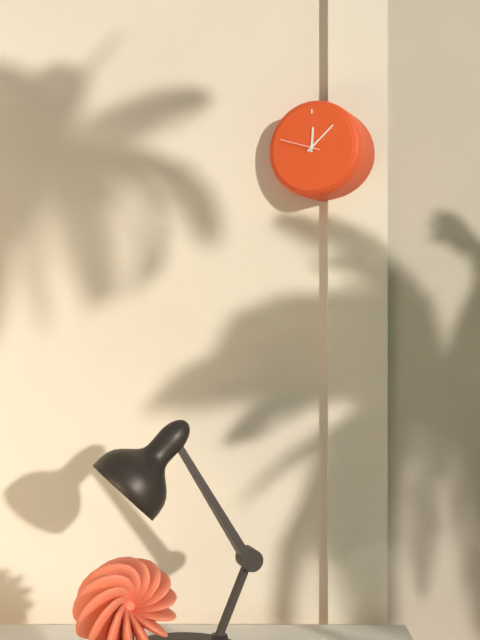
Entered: {"hour": 12, "minute": 8}
